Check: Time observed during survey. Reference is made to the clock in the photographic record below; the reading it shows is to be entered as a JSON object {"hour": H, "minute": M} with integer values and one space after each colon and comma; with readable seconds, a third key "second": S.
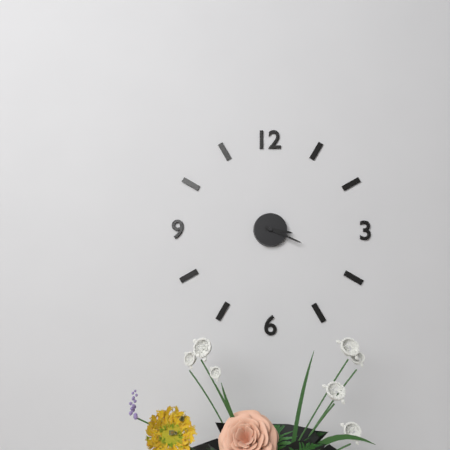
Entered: {"hour": 3, "minute": 19}
